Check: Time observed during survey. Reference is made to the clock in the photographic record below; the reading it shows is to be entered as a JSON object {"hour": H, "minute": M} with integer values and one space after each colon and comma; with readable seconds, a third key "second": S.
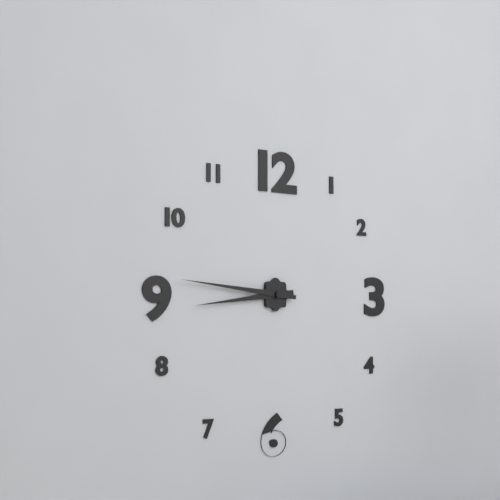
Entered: {"hour": 8, "minute": 46}
